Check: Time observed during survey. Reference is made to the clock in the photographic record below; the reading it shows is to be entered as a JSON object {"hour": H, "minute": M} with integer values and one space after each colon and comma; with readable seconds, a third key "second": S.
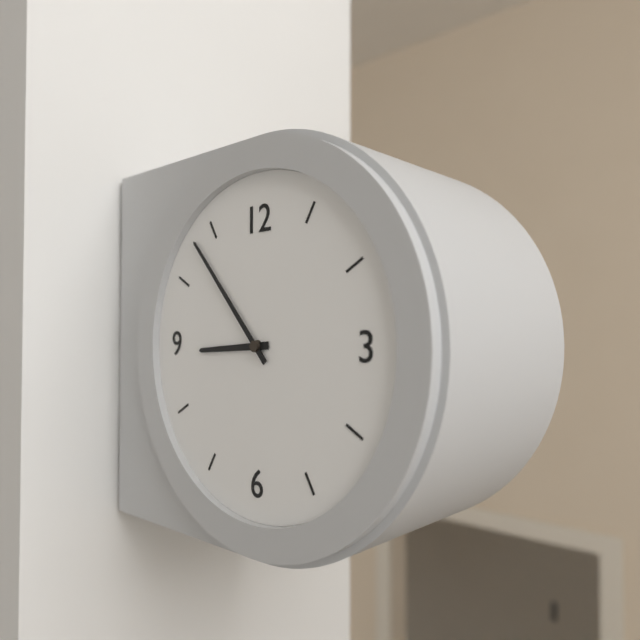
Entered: {"hour": 8, "minute": 53}
